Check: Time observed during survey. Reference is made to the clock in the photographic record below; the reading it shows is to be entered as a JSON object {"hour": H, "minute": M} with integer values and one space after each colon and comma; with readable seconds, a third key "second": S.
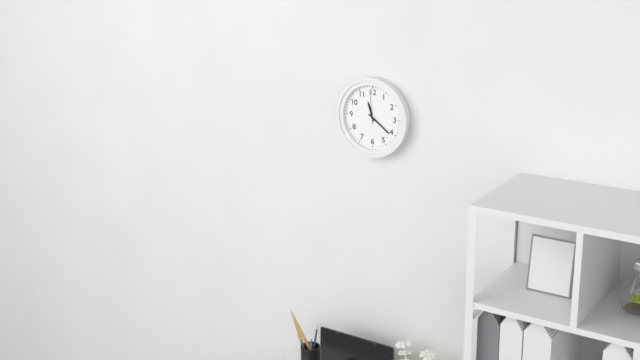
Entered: {"hour": 11, "minute": 21}
